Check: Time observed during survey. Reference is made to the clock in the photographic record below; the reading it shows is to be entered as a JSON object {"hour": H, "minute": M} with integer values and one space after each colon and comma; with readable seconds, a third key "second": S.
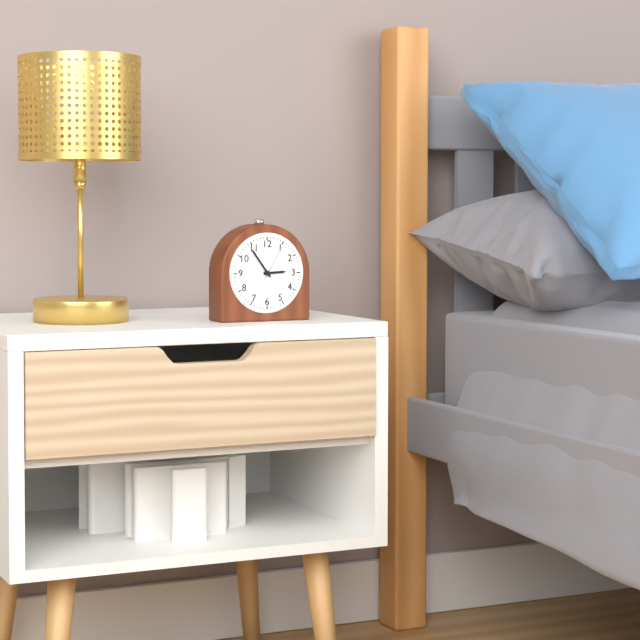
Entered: {"hour": 2, "minute": 54}
